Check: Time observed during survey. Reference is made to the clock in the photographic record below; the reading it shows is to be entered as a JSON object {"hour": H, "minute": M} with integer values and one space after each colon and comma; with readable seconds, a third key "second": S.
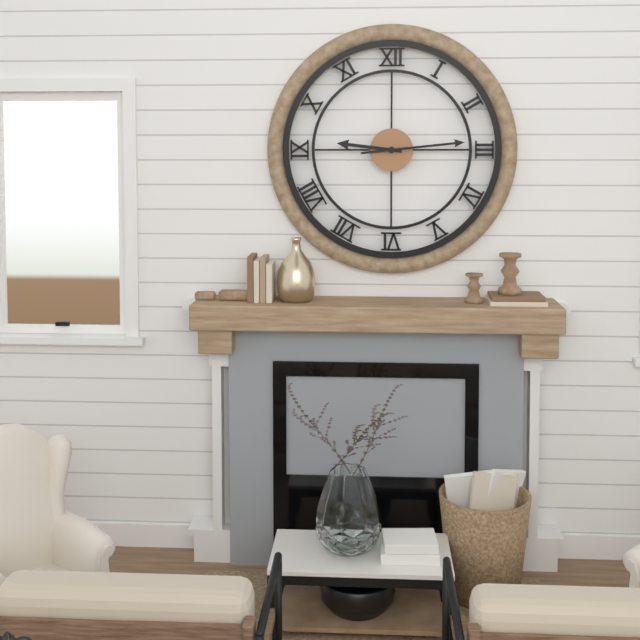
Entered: {"hour": 9, "minute": 14}
